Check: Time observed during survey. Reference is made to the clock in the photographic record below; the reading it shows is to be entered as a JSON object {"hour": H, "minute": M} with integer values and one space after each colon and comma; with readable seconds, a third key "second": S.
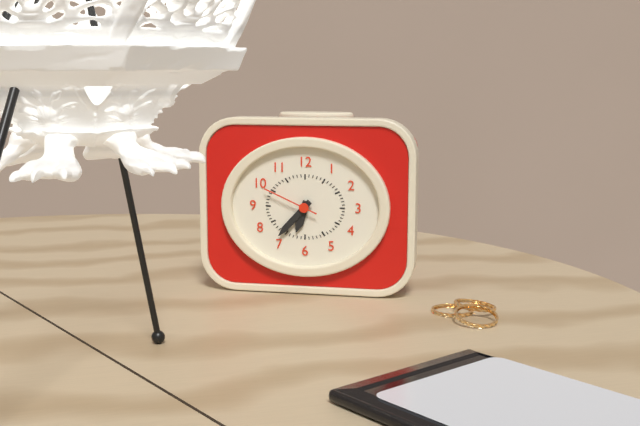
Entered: {"hour": 6, "minute": 37, "second": 49}
